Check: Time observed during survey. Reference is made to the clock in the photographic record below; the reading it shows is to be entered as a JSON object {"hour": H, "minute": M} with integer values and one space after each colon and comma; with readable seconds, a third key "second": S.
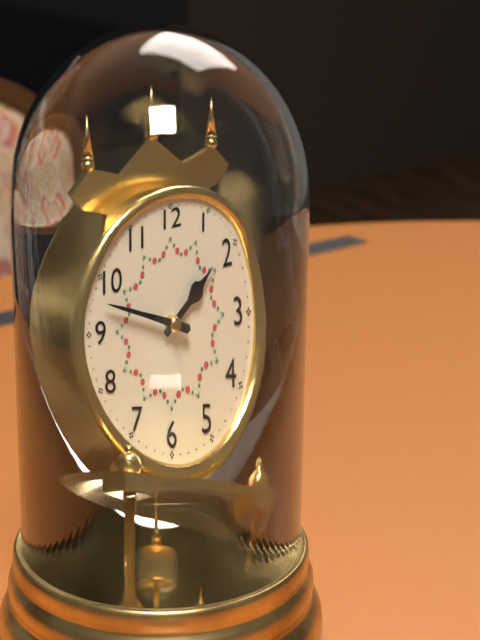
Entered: {"hour": 1, "minute": 48}
